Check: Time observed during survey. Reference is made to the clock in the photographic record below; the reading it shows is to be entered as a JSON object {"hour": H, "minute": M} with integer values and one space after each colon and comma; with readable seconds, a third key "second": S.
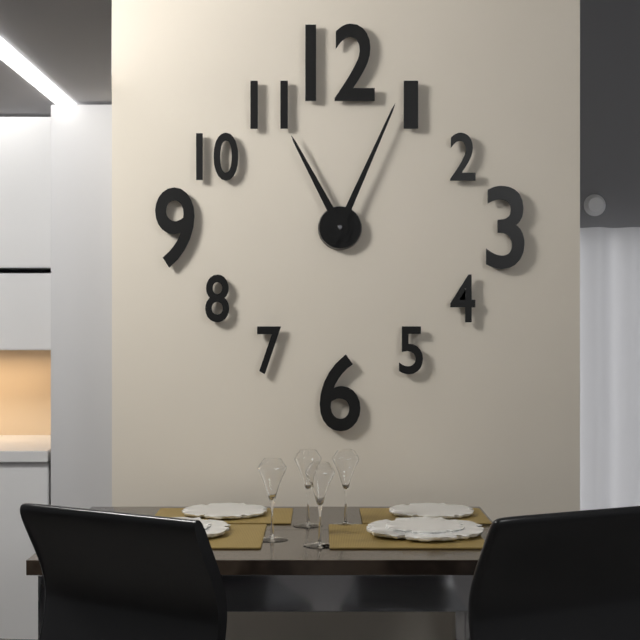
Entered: {"hour": 11, "minute": 4}
